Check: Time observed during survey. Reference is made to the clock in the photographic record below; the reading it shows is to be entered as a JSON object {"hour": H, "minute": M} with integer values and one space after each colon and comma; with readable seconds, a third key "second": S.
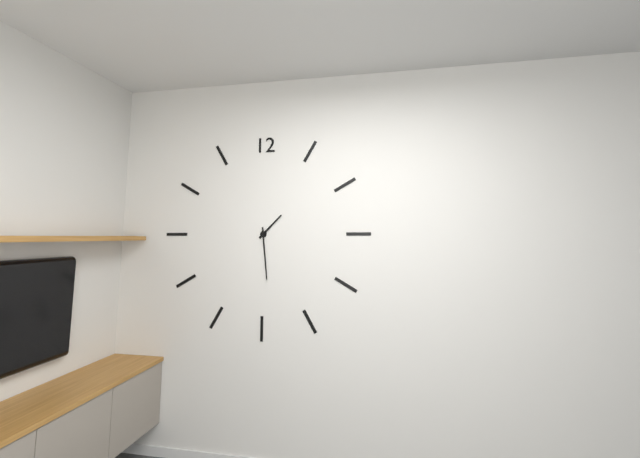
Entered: {"hour": 1, "minute": 29}
